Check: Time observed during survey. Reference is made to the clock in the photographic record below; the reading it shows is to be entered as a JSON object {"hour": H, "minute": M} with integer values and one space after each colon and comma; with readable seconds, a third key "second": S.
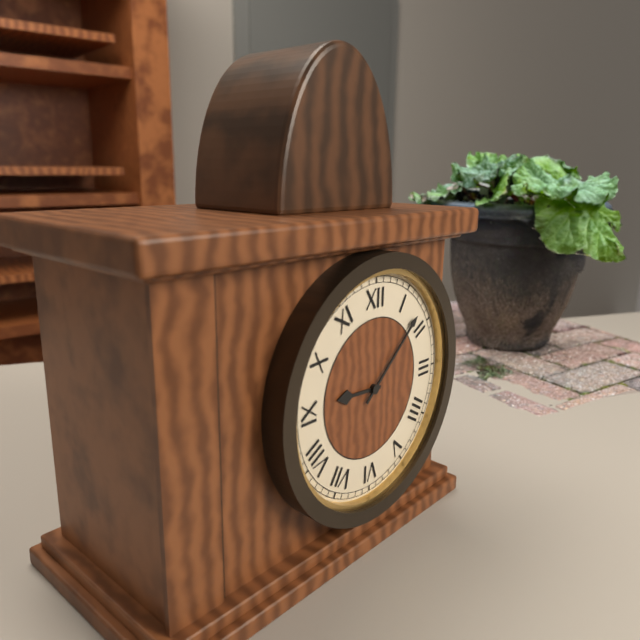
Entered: {"hour": 9, "minute": 8}
